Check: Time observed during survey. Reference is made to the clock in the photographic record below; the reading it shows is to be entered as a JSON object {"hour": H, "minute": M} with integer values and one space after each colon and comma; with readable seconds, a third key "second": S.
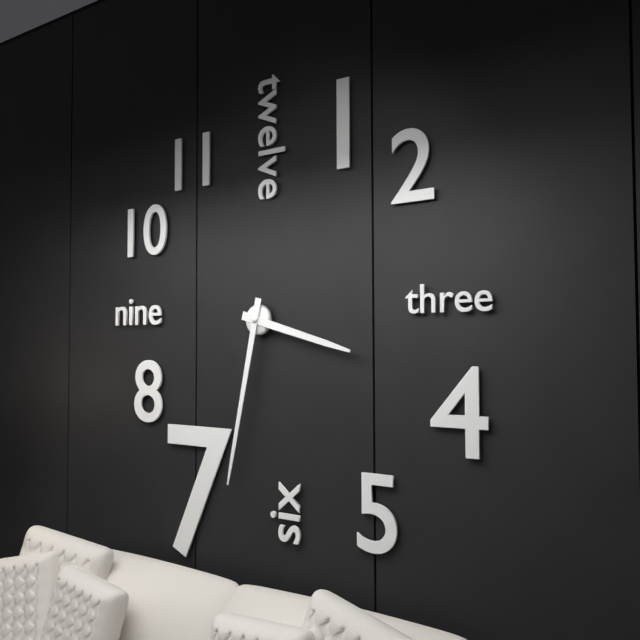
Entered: {"hour": 3, "minute": 32}
